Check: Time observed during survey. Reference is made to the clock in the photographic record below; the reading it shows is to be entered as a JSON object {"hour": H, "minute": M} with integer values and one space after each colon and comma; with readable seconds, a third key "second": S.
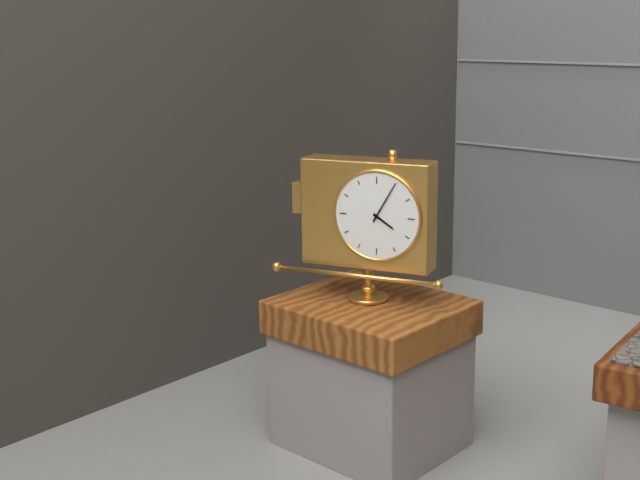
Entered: {"hour": 4, "minute": 5}
